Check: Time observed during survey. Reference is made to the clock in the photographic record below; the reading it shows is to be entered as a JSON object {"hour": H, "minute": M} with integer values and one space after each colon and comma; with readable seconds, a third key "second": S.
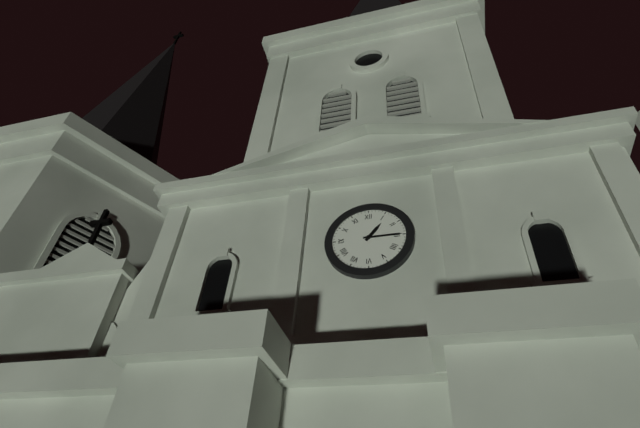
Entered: {"hour": 1, "minute": 15}
